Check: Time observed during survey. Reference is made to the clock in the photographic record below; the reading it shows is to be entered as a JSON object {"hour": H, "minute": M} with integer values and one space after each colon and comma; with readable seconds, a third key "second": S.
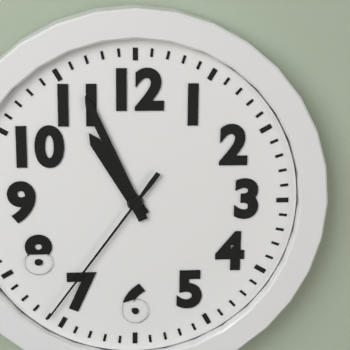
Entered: {"hour": 10, "minute": 56, "second": 36}
